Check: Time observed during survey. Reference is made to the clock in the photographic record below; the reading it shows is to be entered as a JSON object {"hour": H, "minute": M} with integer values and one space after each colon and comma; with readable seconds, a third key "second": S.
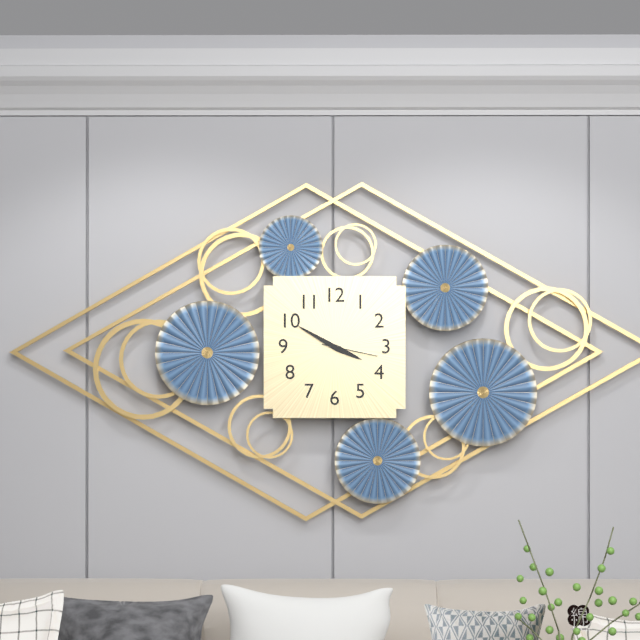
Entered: {"hour": 3, "minute": 50, "second": 17}
